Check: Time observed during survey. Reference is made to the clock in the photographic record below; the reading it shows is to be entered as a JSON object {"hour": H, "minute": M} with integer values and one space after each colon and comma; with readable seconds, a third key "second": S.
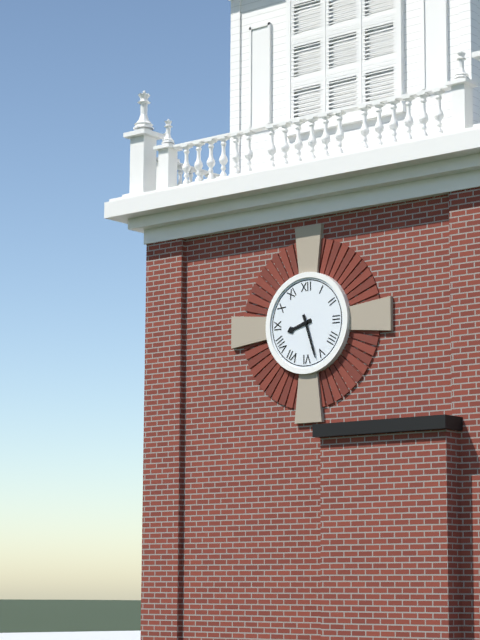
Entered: {"hour": 8, "minute": 27}
